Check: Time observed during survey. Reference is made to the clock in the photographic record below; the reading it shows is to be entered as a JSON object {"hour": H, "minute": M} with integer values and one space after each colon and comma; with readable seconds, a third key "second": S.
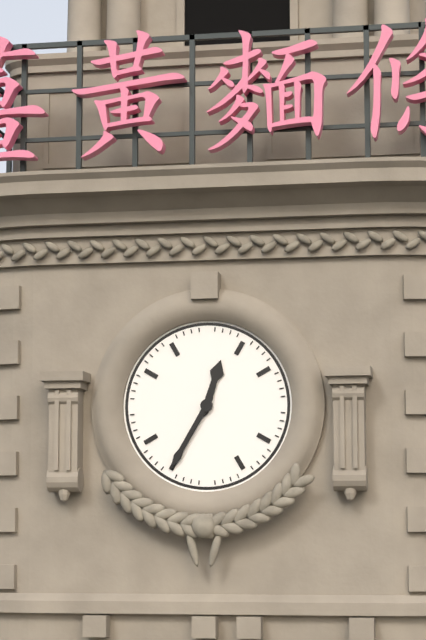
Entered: {"hour": 12, "minute": 35}
